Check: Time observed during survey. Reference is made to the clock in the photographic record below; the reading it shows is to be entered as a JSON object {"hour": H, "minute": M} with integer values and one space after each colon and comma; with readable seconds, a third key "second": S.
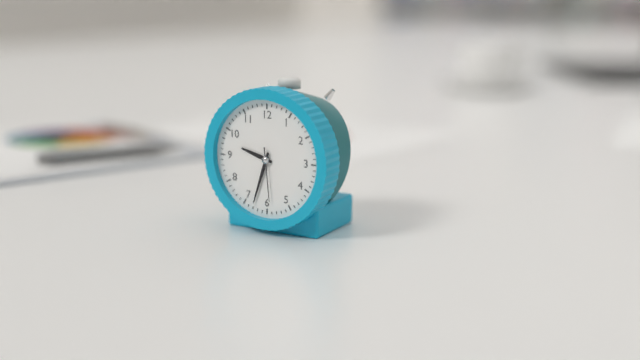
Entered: {"hour": 9, "minute": 33, "second": 29}
